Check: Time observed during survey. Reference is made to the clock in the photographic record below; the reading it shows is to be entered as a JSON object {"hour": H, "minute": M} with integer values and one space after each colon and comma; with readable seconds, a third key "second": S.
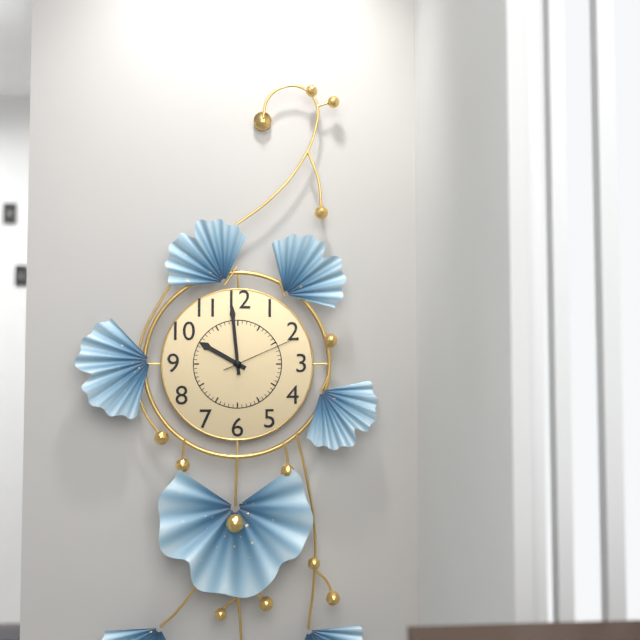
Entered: {"hour": 9, "minute": 59, "second": 11}
